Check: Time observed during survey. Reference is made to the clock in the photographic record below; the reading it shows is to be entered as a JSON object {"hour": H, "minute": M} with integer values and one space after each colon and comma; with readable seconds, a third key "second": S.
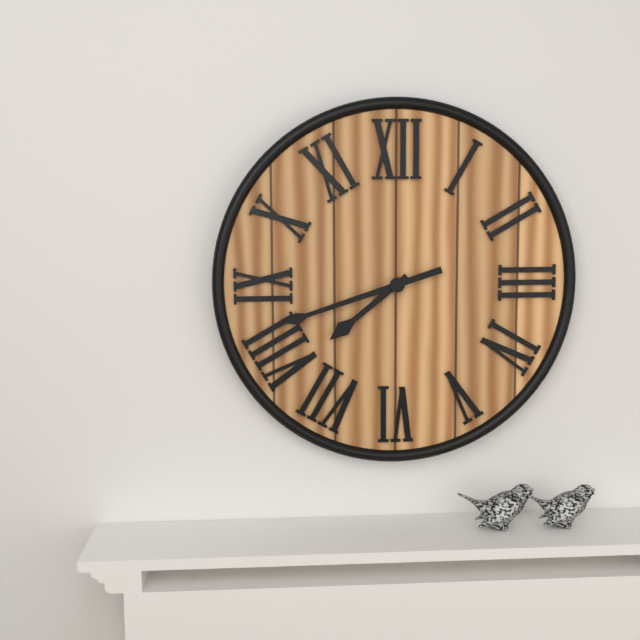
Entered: {"hour": 7, "minute": 42}
